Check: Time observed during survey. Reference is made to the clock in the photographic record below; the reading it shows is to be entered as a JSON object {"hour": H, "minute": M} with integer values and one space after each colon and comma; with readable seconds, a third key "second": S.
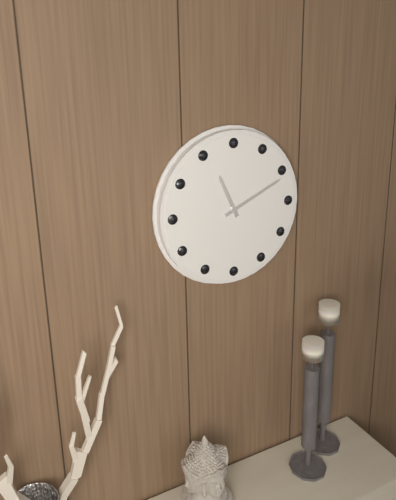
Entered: {"hour": 11, "minute": 11}
